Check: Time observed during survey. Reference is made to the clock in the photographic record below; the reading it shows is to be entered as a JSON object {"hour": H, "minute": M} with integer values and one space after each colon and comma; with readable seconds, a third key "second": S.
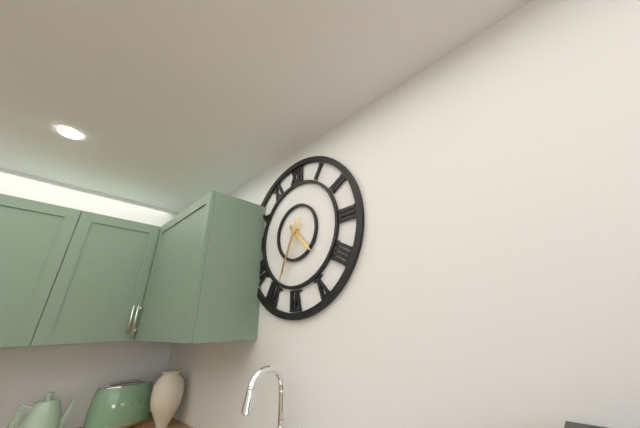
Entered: {"hour": 4, "minute": 34}
